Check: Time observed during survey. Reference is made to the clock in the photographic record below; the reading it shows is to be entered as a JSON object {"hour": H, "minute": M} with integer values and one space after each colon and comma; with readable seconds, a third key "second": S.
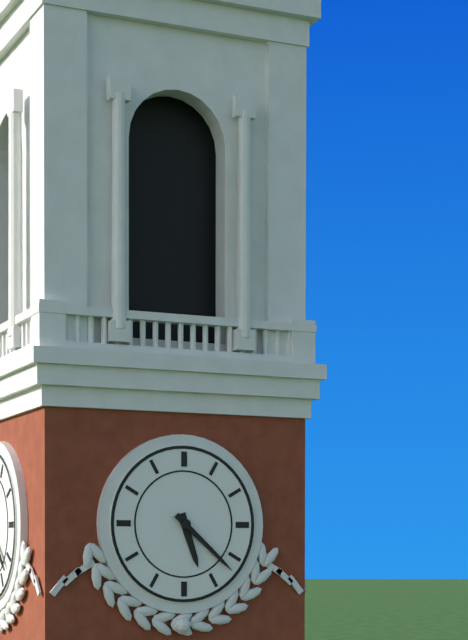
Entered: {"hour": 5, "minute": 22}
